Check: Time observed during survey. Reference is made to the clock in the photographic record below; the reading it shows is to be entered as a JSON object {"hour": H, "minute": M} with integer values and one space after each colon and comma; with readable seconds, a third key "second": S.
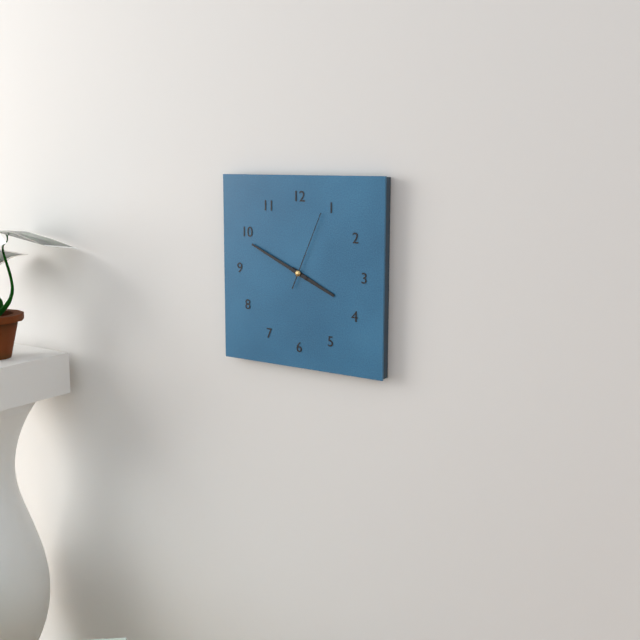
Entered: {"hour": 3, "minute": 49, "second": 4}
